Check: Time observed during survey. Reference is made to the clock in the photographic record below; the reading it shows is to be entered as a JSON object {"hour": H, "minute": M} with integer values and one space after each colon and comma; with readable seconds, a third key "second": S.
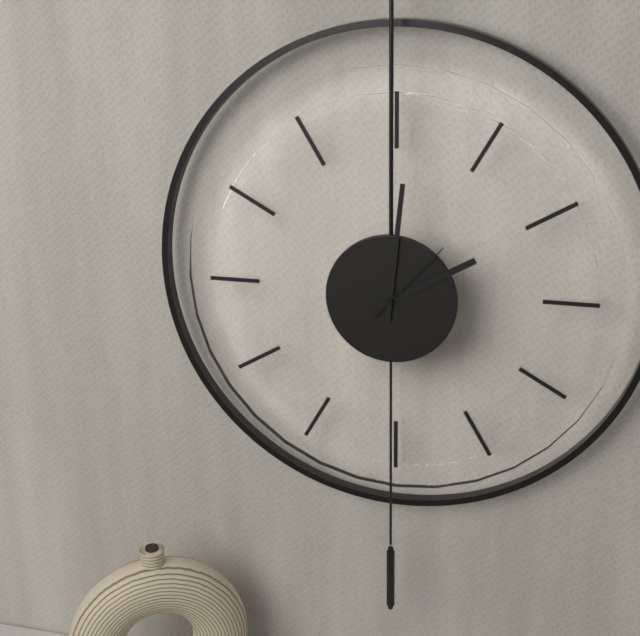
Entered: {"hour": 2, "minute": 1, "second": 7}
